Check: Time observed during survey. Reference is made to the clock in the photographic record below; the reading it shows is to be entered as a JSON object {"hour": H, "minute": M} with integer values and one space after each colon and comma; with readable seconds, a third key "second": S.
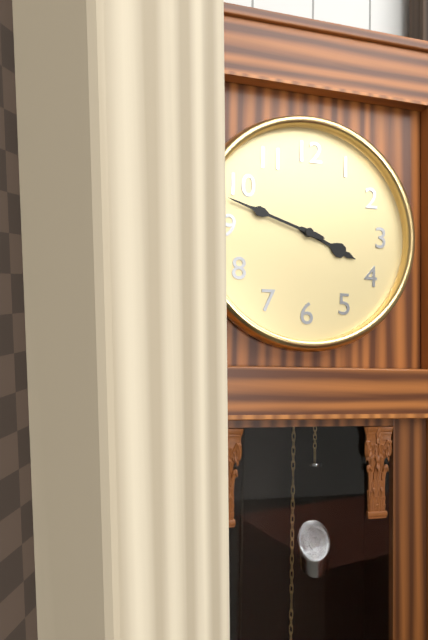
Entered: {"hour": 3, "minute": 48}
